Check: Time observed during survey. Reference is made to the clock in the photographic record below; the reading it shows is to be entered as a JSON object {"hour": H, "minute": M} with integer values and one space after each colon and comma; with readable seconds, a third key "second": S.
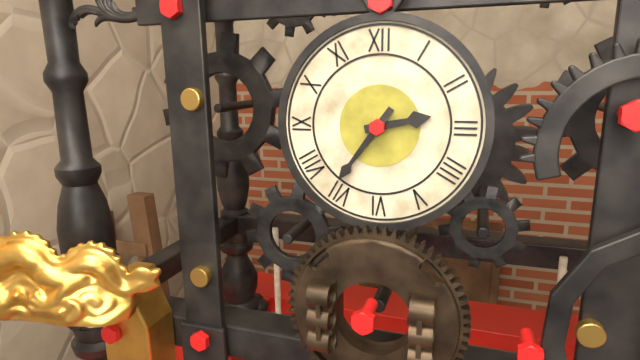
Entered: {"hour": 2, "minute": 36}
